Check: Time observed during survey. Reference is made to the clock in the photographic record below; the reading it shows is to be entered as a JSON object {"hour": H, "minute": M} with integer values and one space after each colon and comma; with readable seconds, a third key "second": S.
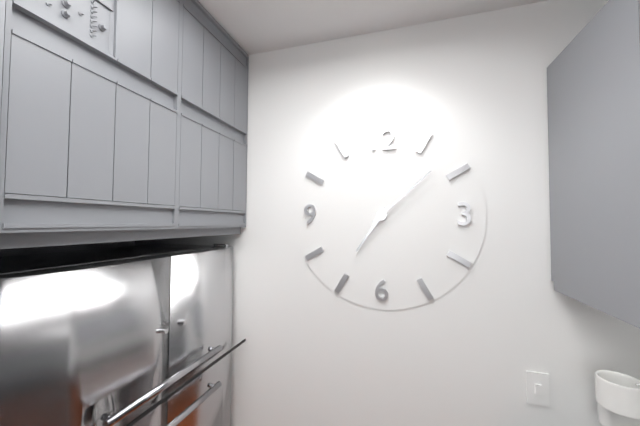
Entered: {"hour": 7, "minute": 8}
